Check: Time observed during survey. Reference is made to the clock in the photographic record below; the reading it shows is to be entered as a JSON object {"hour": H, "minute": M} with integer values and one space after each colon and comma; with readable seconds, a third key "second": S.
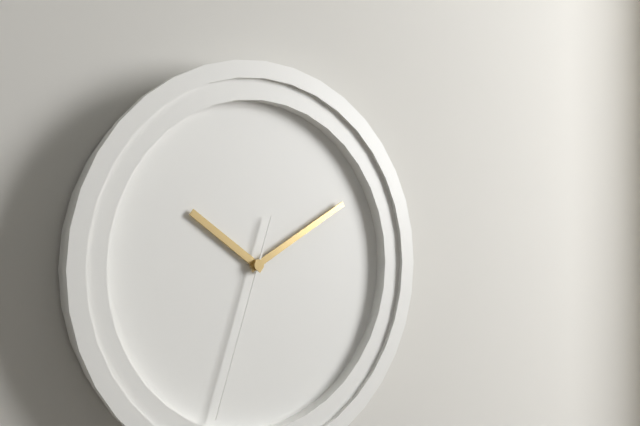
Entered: {"hour": 10, "minute": 10, "second": 33}
